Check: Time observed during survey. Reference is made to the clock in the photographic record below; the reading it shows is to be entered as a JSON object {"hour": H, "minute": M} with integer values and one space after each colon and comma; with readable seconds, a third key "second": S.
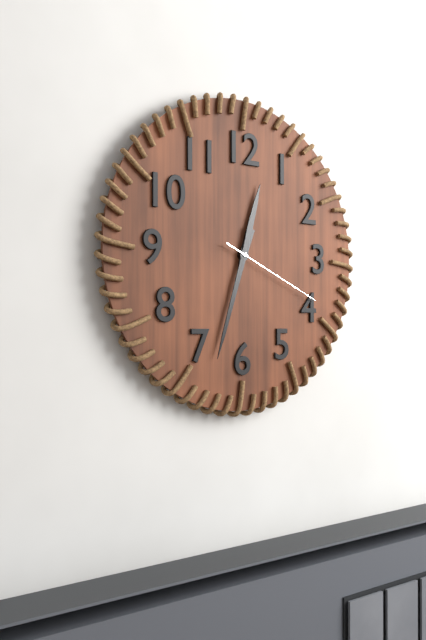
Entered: {"hour": 12, "minute": 33, "second": 19}
